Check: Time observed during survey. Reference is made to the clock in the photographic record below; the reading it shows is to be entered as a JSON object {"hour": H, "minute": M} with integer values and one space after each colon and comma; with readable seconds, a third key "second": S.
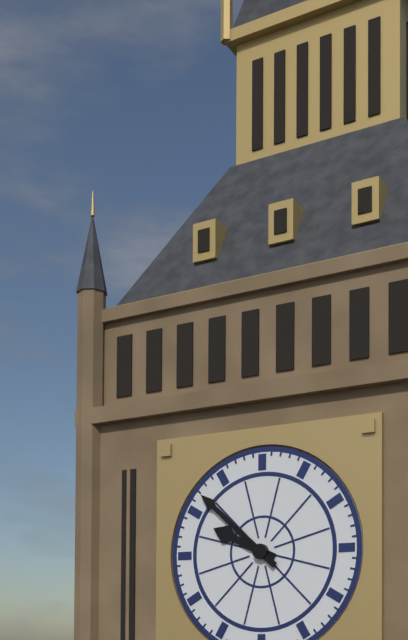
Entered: {"hour": 9, "minute": 52}
